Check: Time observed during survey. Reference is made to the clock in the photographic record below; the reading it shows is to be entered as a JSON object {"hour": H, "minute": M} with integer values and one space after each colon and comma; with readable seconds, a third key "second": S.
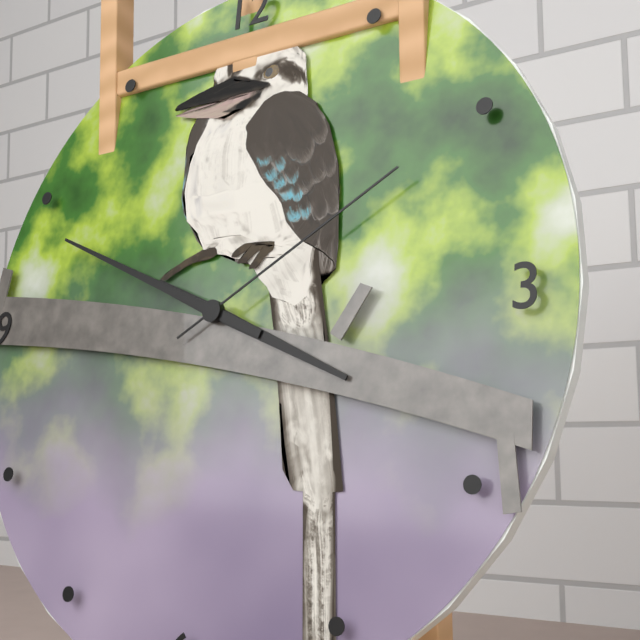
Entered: {"hour": 3, "minute": 49, "second": 10}
